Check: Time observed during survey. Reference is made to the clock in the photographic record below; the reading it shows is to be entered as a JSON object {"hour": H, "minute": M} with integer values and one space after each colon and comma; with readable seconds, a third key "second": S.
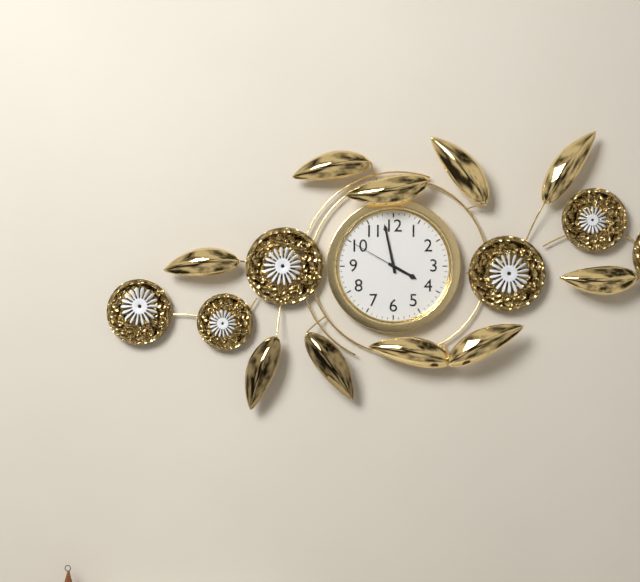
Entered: {"hour": 3, "minute": 58, "second": 50}
